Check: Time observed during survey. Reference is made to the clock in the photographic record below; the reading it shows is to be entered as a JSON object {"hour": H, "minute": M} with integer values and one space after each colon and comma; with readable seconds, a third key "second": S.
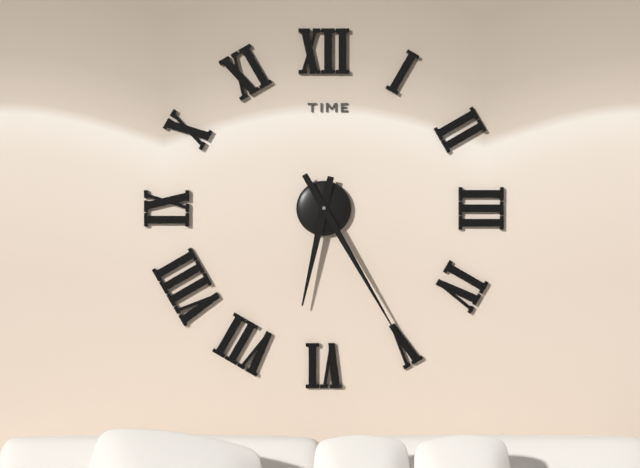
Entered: {"hour": 6, "minute": 25}
